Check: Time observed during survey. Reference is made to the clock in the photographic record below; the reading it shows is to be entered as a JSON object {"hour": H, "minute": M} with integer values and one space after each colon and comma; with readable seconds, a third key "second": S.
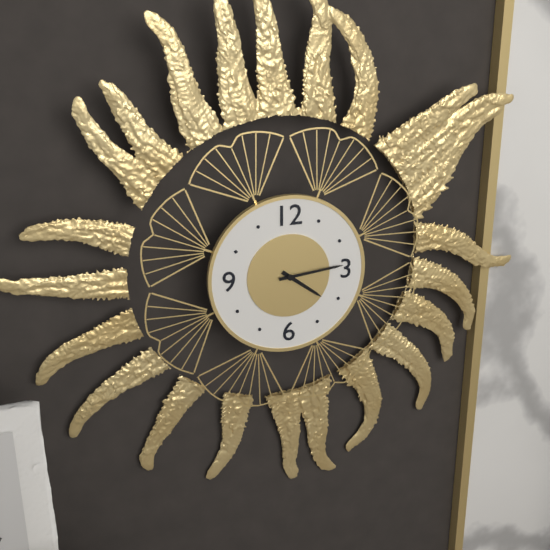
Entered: {"hour": 4, "minute": 14}
